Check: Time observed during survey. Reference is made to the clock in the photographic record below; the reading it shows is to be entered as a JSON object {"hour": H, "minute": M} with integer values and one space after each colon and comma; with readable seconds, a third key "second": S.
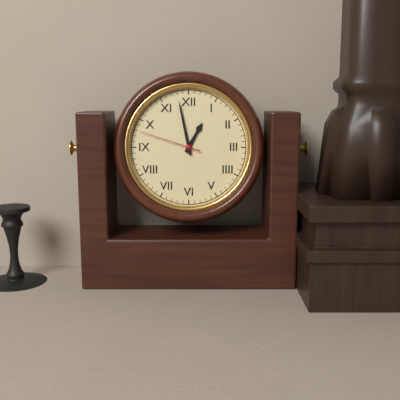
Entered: {"hour": 12, "minute": 58, "second": 48}
